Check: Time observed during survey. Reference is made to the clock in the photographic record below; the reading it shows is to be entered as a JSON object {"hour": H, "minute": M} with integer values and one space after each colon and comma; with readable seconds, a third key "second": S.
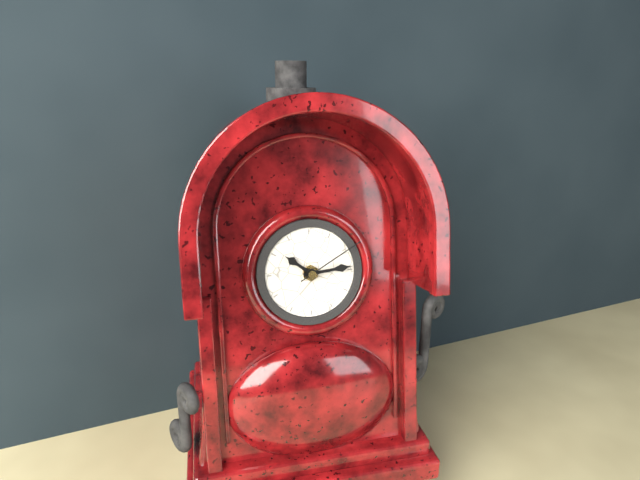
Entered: {"hour": 10, "minute": 14, "second": 10}
